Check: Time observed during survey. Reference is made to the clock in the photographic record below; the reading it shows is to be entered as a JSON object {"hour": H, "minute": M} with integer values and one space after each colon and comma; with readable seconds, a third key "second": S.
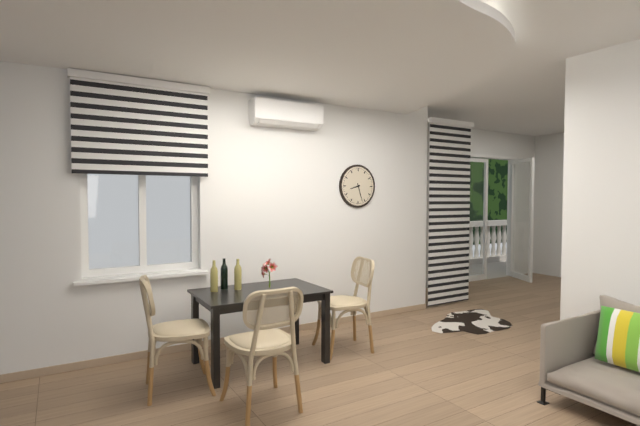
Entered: {"hour": 8, "minute": 27}
